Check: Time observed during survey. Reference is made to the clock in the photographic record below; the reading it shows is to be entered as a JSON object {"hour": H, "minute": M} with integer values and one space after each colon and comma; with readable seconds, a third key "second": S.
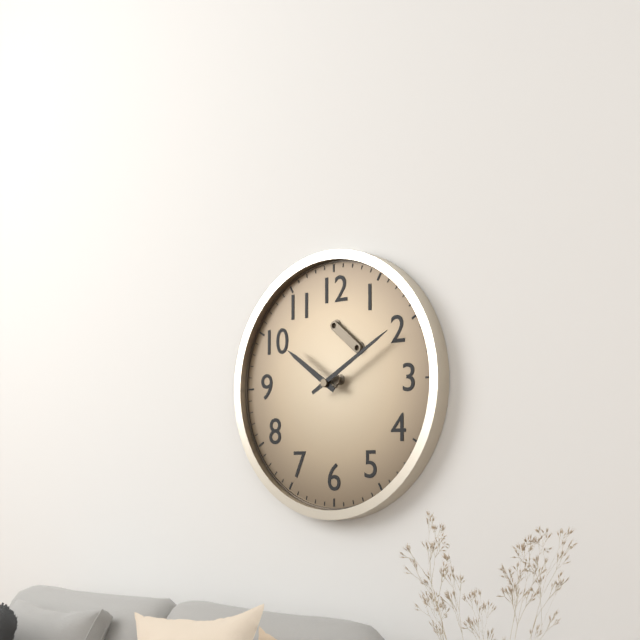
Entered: {"hour": 10, "minute": 10}
